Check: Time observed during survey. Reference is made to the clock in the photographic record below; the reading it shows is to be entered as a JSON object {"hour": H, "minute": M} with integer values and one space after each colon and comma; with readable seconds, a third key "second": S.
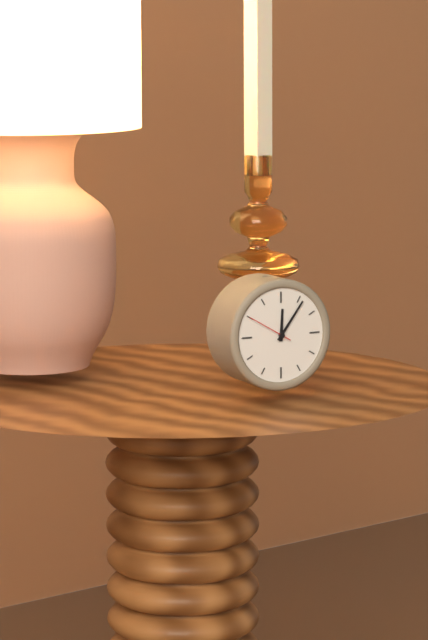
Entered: {"hour": 12, "minute": 6}
